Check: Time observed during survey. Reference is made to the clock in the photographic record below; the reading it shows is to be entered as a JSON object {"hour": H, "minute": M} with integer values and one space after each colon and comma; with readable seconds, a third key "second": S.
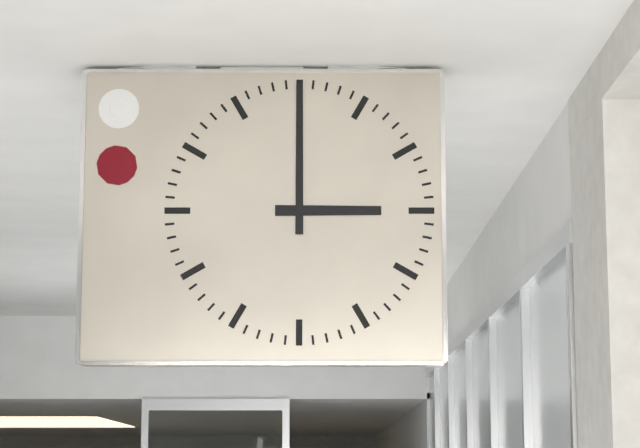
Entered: {"hour": 3, "minute": 0}
